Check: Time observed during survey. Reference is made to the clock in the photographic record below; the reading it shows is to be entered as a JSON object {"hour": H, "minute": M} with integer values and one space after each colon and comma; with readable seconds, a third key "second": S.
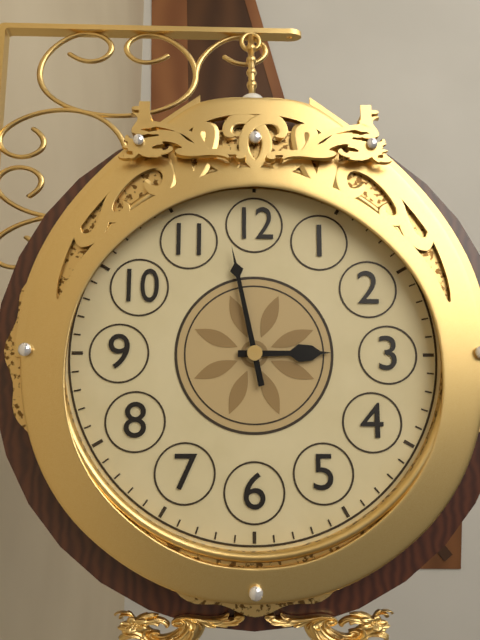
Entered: {"hour": 2, "minute": 58}
